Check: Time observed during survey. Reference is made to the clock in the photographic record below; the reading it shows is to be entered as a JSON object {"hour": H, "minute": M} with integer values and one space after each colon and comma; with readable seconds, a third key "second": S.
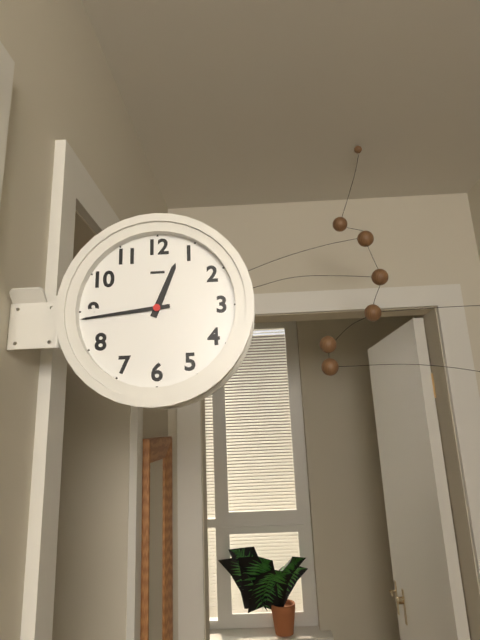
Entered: {"hour": 12, "minute": 44}
